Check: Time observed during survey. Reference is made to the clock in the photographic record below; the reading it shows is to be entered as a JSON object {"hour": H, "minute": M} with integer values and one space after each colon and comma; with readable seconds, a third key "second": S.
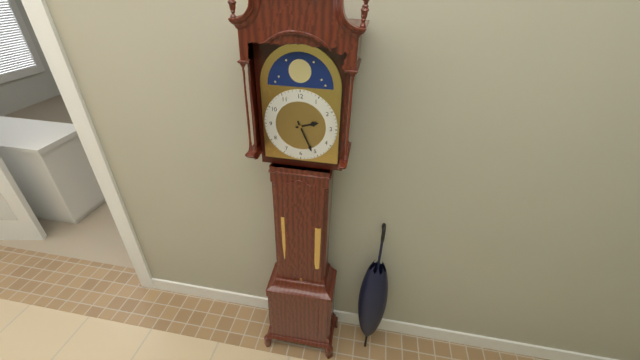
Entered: {"hour": 2, "minute": 26}
